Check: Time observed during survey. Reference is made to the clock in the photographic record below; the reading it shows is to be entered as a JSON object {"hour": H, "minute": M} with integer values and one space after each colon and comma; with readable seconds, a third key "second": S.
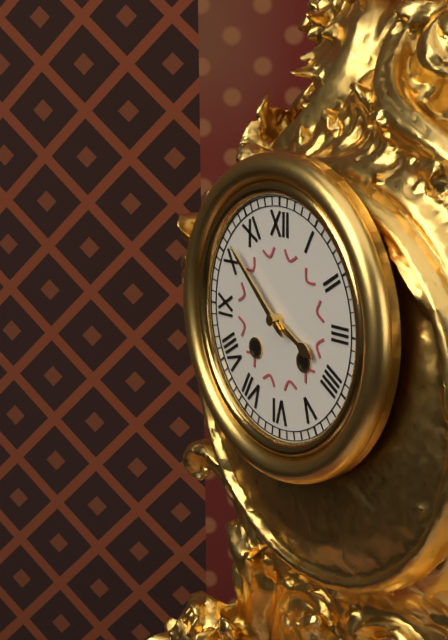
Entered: {"hour": 3, "minute": 52}
